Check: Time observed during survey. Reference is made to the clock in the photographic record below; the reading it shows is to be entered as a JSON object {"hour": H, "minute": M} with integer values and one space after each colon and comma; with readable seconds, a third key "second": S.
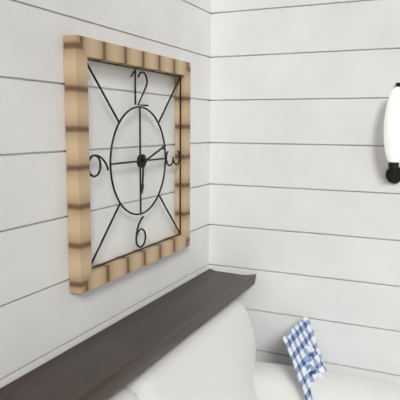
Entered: {"hour": 6, "minute": 12}
